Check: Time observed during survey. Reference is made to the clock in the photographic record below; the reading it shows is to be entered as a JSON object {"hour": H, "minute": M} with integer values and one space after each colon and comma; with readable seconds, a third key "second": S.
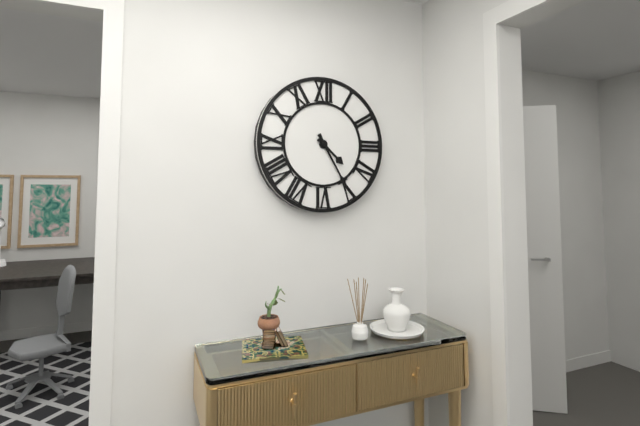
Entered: {"hour": 4, "minute": 25}
